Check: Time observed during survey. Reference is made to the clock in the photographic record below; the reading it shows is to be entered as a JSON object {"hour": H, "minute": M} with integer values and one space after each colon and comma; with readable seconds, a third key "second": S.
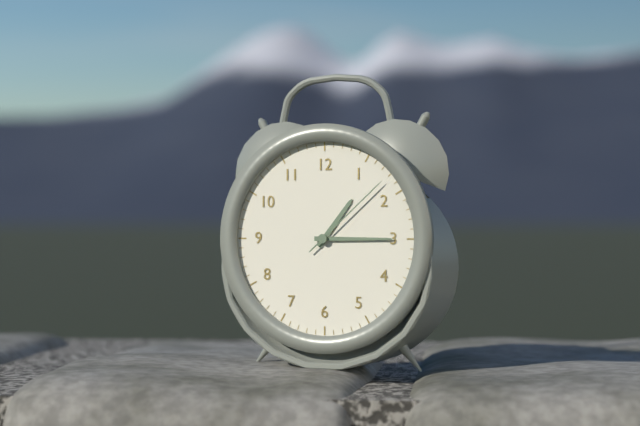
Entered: {"hour": 1, "minute": 15, "second": 8}
